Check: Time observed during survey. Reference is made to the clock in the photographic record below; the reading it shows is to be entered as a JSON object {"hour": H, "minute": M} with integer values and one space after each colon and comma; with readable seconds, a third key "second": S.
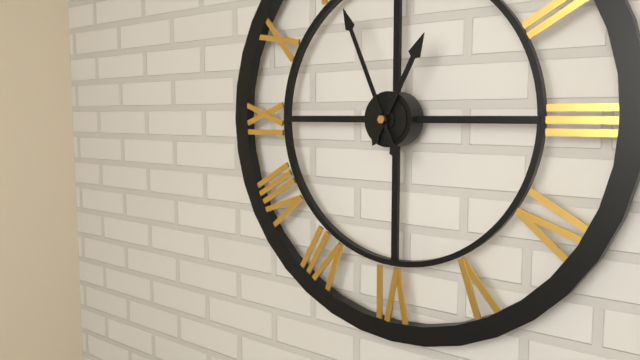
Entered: {"hour": 12, "minute": 56}
